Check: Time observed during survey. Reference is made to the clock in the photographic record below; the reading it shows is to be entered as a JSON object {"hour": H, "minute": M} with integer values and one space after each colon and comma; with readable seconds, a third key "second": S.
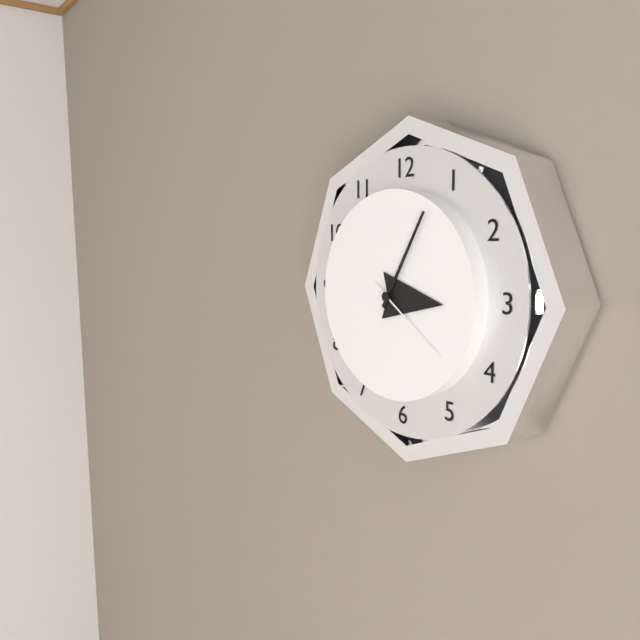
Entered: {"hour": 3, "minute": 5, "second": 21}
